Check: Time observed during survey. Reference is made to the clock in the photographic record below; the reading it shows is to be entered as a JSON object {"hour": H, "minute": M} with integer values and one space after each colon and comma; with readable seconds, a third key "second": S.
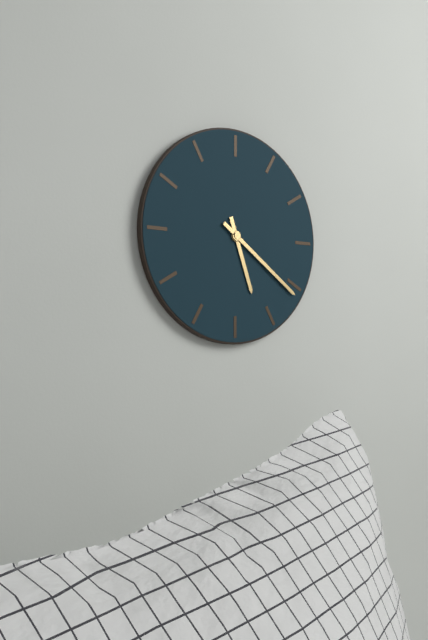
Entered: {"hour": 5, "minute": 21}
